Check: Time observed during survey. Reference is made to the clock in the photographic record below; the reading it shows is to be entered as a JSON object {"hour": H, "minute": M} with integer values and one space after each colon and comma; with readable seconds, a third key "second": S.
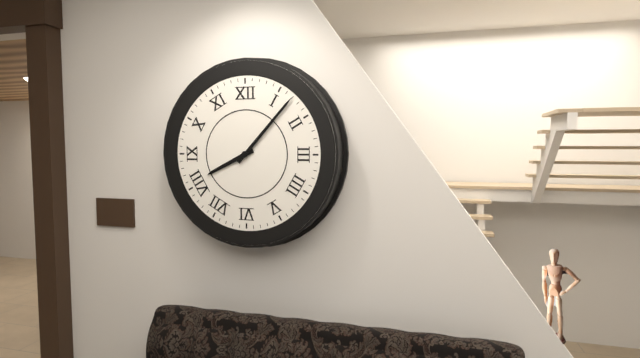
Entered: {"hour": 8, "minute": 7}
